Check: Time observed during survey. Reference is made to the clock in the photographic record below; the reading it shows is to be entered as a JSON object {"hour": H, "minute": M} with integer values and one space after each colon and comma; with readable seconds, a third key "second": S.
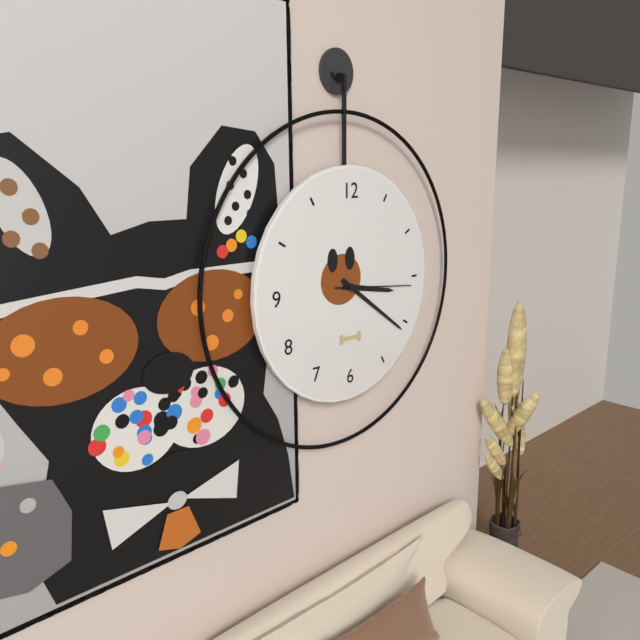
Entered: {"hour": 3, "minute": 21, "second": 16}
